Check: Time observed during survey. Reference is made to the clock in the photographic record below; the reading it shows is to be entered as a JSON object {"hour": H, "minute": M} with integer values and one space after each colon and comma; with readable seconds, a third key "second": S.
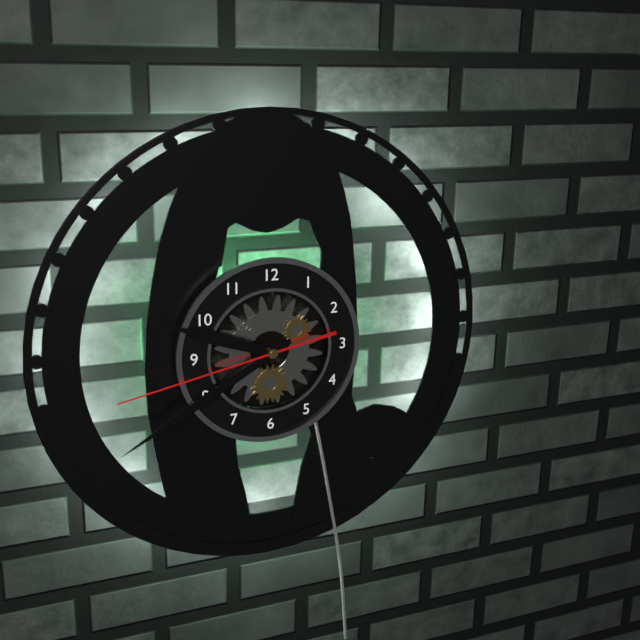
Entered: {"hour": 9, "minute": 40, "second": 43}
